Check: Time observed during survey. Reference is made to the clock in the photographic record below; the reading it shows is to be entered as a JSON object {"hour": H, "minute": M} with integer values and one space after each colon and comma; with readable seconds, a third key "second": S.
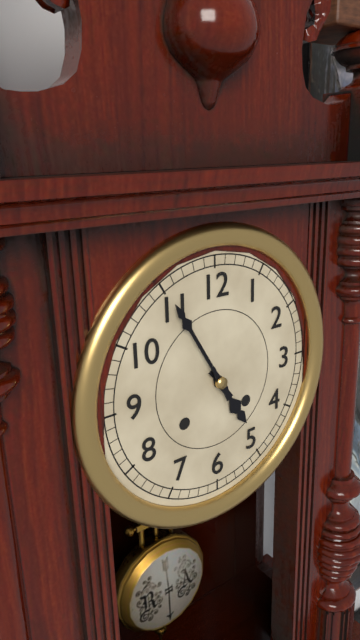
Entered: {"hour": 4, "minute": 55}
